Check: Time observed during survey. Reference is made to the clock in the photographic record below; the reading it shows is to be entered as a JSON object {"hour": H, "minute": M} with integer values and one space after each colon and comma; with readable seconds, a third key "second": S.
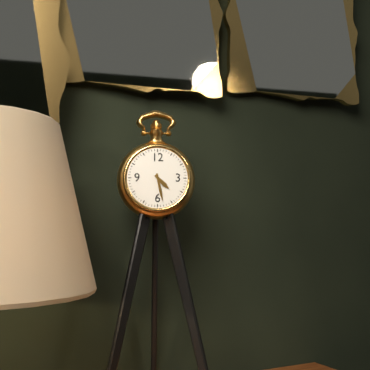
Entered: {"hour": 4, "minute": 28}
